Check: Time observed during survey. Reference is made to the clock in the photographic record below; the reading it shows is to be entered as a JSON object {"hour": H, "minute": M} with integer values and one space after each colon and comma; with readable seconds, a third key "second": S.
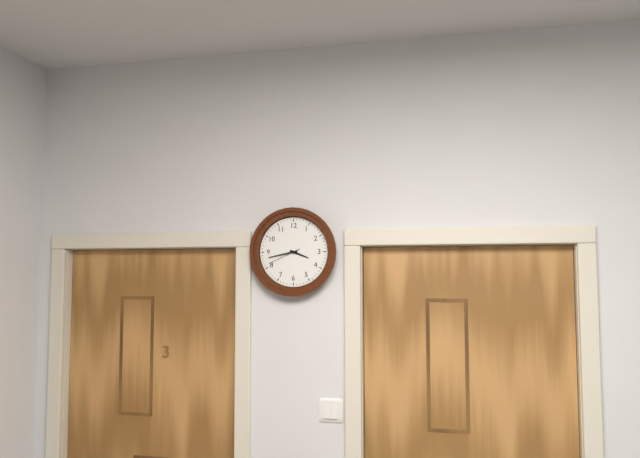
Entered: {"hour": 3, "minute": 43}
